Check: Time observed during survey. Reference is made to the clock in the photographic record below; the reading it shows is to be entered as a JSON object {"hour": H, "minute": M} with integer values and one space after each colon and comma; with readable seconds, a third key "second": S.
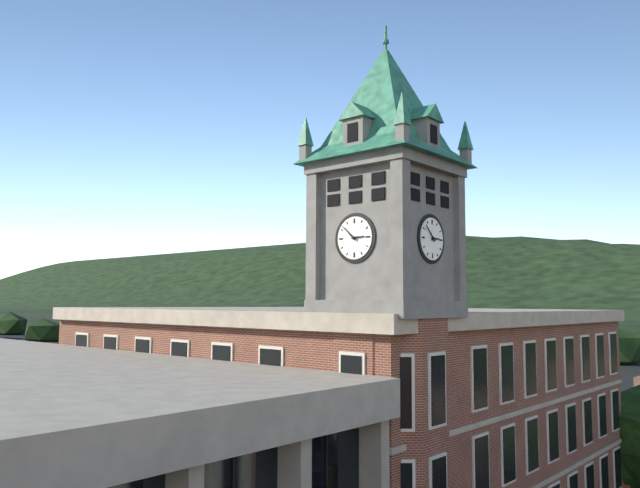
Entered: {"hour": 2, "minute": 52}
